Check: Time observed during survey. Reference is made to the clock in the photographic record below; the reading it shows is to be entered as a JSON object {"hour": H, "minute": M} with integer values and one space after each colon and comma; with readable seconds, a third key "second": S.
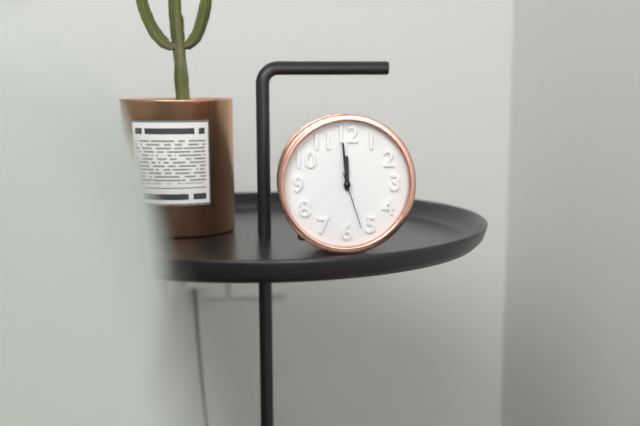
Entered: {"hour": 11, "minute": 59, "second": 27}
